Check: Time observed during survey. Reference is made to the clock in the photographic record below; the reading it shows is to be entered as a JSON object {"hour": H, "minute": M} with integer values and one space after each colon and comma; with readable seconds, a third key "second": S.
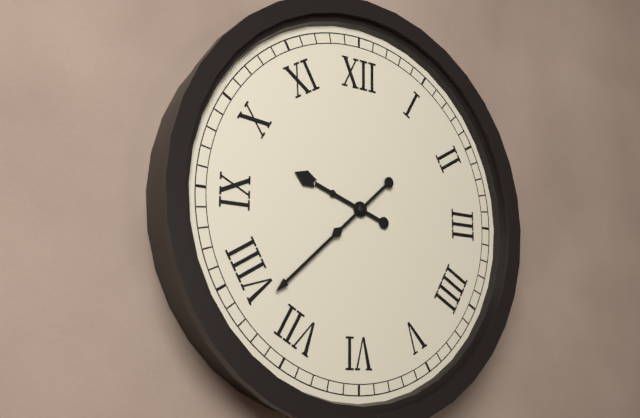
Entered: {"hour": 9, "minute": 38}
